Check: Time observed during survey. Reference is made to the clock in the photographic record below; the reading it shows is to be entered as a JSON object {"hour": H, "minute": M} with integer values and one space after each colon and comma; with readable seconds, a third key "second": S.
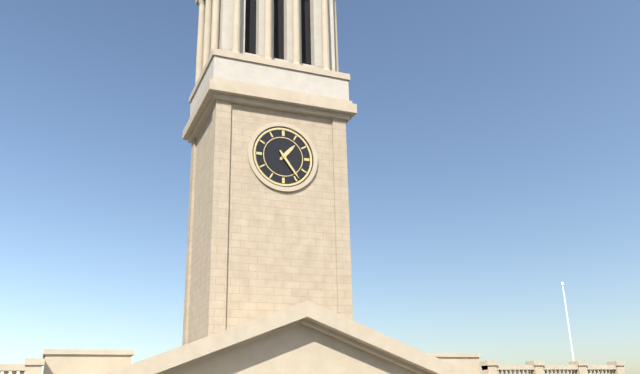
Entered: {"hour": 1, "minute": 24}
